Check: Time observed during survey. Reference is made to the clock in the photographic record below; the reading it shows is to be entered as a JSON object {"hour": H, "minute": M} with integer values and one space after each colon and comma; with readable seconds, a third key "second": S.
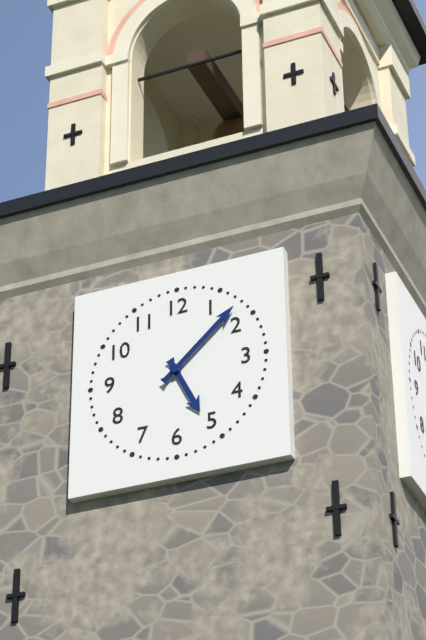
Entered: {"hour": 5, "minute": 8}
